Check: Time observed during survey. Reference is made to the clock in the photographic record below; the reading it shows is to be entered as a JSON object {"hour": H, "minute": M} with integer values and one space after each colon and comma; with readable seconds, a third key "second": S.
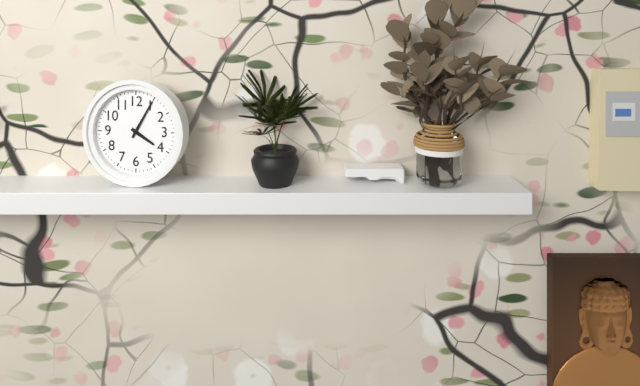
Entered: {"hour": 4, "minute": 5}
